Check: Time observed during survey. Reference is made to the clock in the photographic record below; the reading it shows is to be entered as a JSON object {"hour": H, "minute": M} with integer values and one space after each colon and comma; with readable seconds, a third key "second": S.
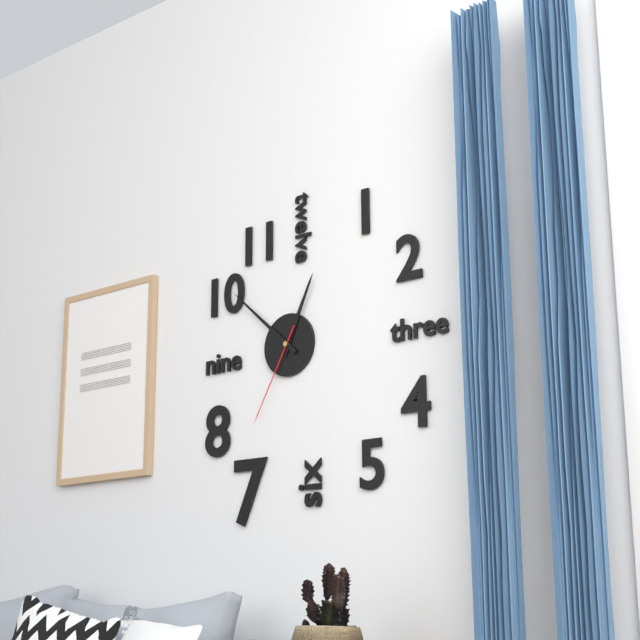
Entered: {"hour": 12, "minute": 52, "second": 35}
